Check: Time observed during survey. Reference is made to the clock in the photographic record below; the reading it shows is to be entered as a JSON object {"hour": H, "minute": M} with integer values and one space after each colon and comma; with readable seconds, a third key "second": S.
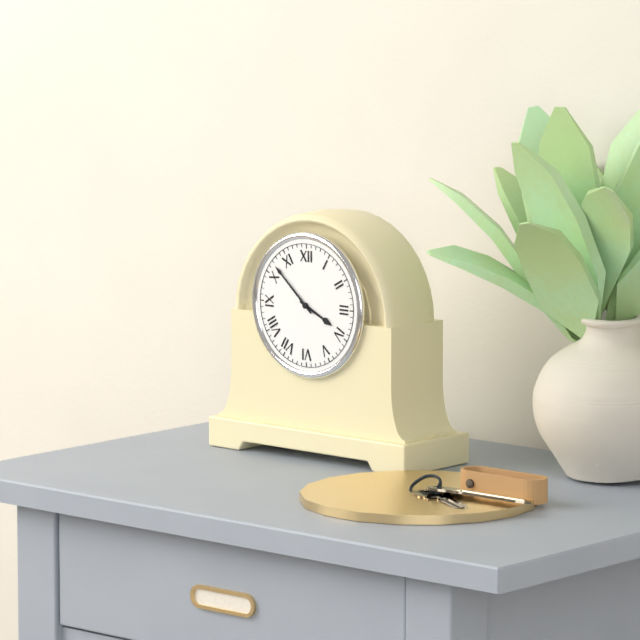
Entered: {"hour": 3, "minute": 52}
